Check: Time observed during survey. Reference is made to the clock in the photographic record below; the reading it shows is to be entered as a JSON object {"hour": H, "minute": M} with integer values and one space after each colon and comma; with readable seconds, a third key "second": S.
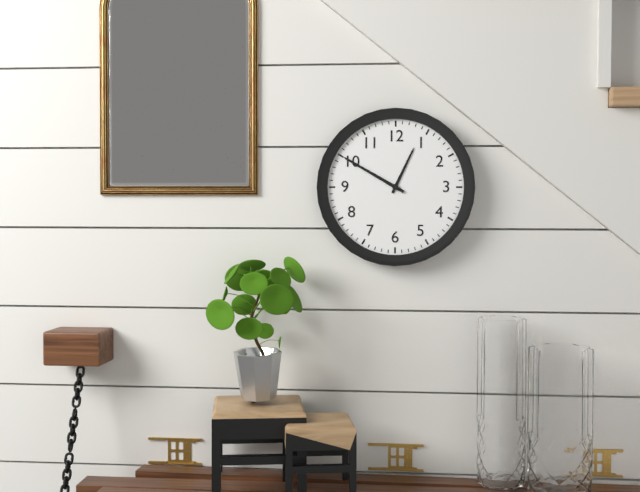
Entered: {"hour": 12, "minute": 50}
